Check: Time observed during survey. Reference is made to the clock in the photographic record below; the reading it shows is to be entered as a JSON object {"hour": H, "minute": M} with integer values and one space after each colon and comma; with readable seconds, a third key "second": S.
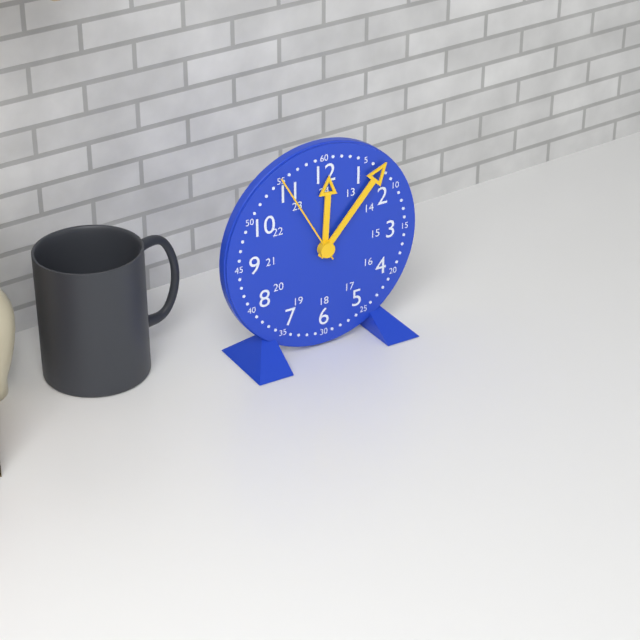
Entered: {"hour": 12, "minute": 7, "second": 55}
